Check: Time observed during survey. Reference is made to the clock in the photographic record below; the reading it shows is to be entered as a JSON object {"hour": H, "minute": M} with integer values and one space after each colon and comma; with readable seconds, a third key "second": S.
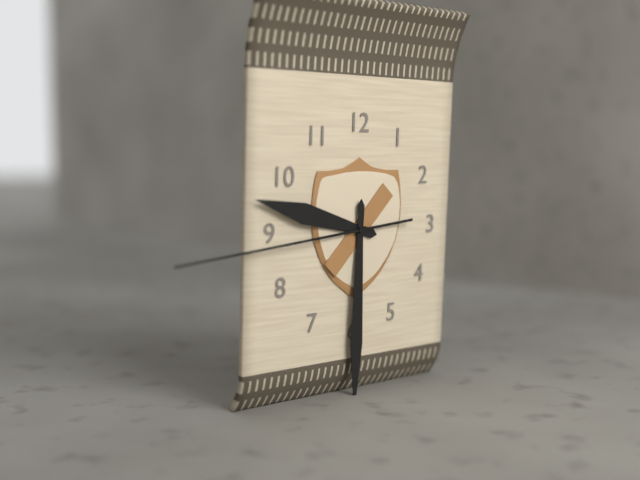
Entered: {"hour": 9, "minute": 30, "second": 44}
